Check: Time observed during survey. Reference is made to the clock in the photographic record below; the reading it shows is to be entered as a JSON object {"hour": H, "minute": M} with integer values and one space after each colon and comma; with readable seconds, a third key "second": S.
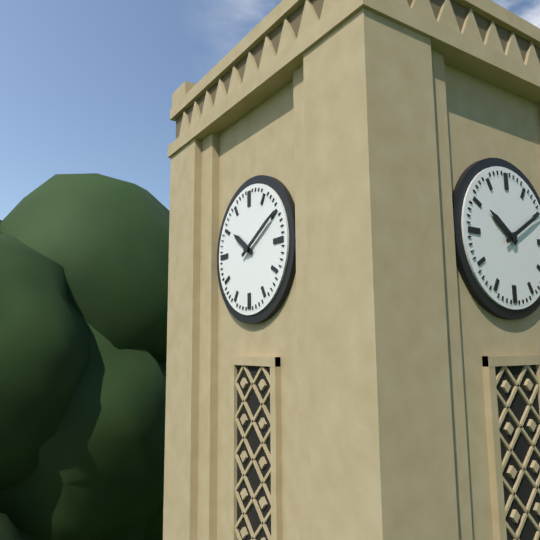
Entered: {"hour": 10, "minute": 10}
